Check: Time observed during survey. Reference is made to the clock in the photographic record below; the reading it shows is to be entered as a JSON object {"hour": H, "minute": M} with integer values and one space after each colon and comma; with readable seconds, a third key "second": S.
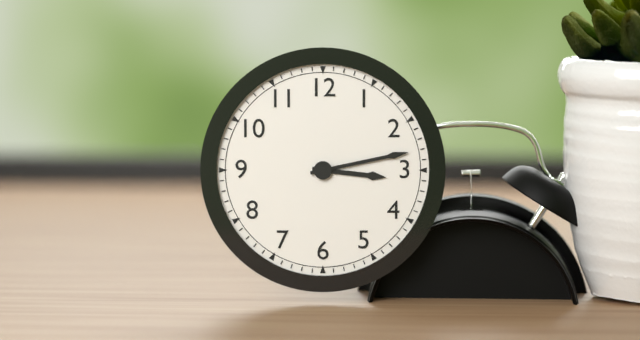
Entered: {"hour": 3, "minute": 13}
